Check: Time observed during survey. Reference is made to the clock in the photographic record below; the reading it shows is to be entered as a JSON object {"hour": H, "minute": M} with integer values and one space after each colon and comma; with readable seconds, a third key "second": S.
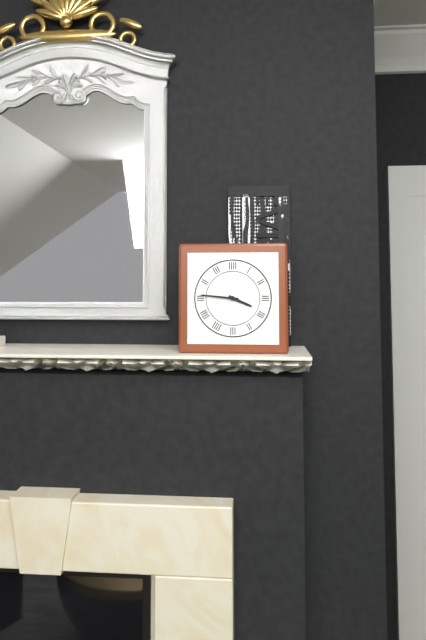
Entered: {"hour": 3, "minute": 46}
